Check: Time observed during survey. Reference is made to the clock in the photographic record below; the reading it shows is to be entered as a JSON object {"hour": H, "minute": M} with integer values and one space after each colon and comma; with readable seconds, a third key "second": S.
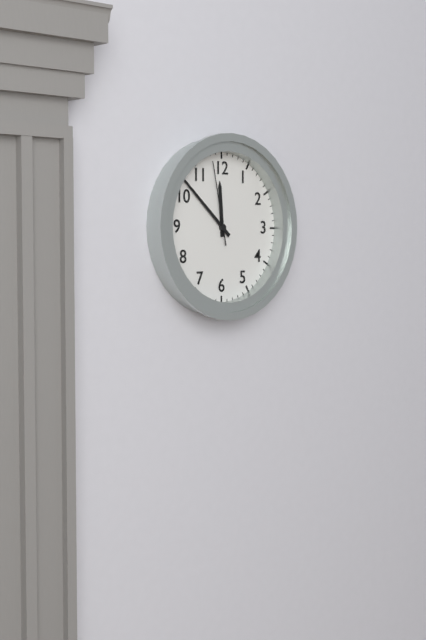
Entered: {"hour": 11, "minute": 52, "second": 58}
